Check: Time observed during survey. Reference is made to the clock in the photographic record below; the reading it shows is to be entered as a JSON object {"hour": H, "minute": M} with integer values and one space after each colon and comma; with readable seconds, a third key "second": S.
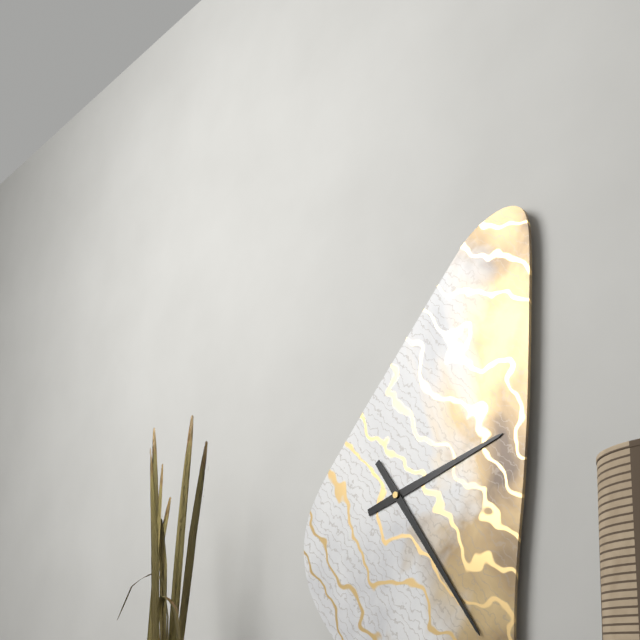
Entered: {"hour": 2, "minute": 24}
